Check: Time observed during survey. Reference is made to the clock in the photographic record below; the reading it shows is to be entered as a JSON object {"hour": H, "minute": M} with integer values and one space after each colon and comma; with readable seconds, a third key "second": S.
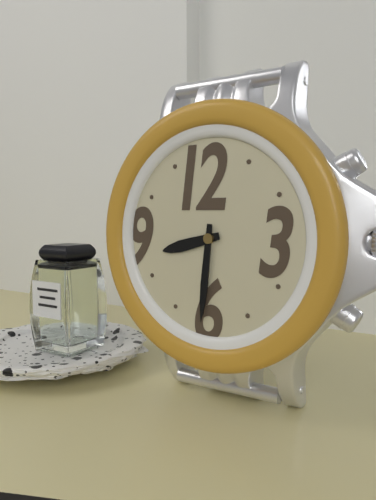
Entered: {"hour": 8, "minute": 31}
